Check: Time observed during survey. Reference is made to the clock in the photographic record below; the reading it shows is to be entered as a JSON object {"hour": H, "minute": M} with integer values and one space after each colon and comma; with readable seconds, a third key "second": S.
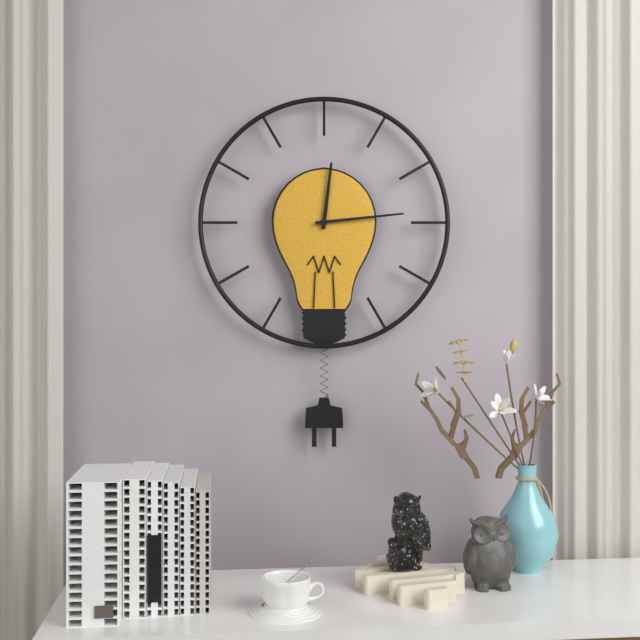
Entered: {"hour": 12, "minute": 14}
